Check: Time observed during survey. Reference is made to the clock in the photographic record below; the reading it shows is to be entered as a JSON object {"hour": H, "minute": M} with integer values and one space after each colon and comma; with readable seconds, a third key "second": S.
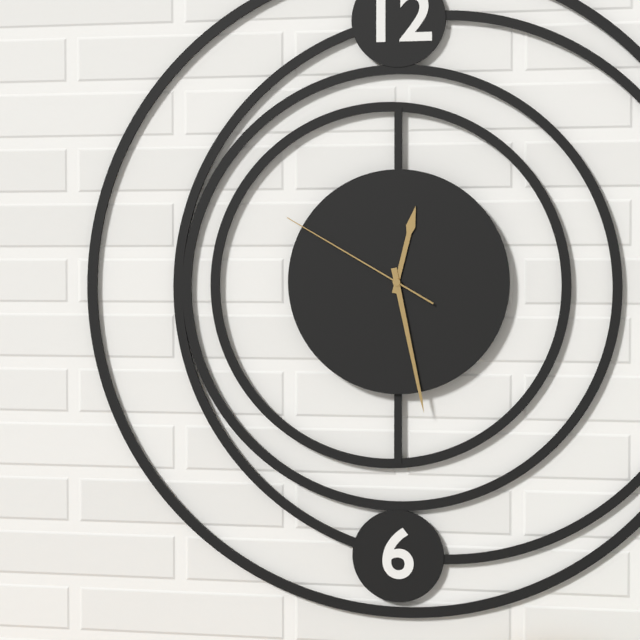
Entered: {"hour": 12, "minute": 28, "second": 50}
